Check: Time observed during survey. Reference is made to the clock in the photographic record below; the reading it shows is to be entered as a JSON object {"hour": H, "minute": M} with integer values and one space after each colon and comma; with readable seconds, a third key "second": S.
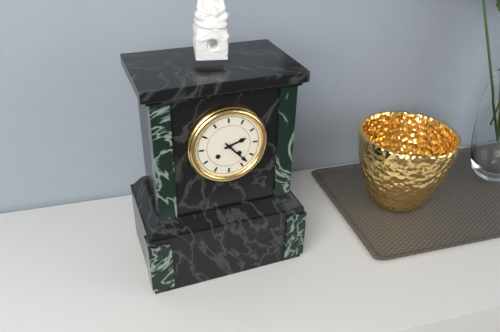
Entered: {"hour": 2, "minute": 23}
